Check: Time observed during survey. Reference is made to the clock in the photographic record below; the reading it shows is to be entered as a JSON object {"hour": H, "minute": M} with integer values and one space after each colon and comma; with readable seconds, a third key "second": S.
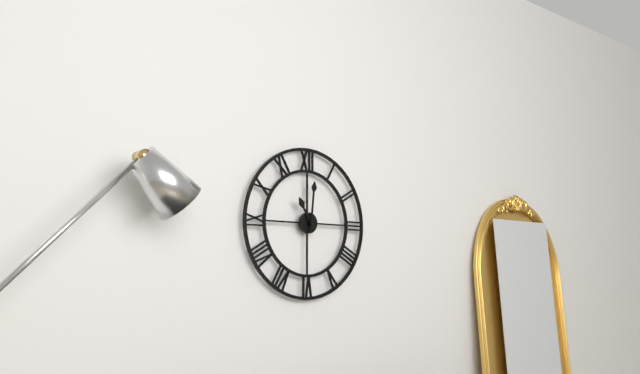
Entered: {"hour": 11, "minute": 1}
